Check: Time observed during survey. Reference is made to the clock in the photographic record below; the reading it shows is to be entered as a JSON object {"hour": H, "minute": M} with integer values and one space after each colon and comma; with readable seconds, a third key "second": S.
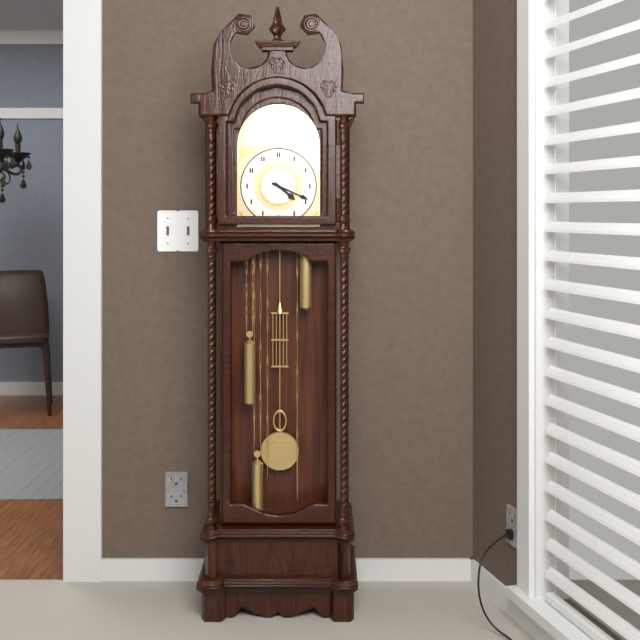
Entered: {"hour": 4, "minute": 19}
